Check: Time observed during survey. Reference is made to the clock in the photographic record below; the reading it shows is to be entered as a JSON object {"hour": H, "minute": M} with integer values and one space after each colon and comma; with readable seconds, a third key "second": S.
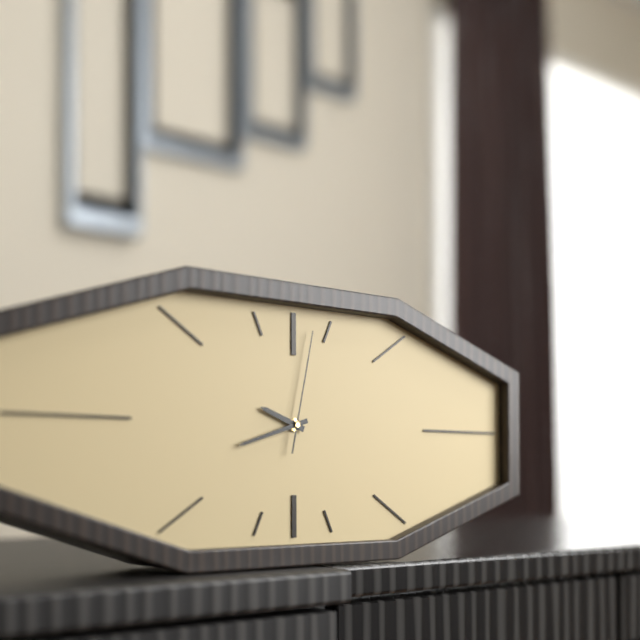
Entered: {"hour": 9, "minute": 42, "second": 2}
